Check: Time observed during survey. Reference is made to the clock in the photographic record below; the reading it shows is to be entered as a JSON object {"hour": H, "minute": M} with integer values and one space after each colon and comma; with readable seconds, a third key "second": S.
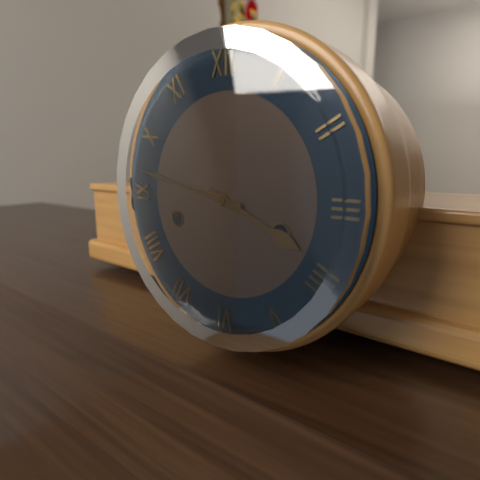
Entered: {"hour": 3, "minute": 47}
